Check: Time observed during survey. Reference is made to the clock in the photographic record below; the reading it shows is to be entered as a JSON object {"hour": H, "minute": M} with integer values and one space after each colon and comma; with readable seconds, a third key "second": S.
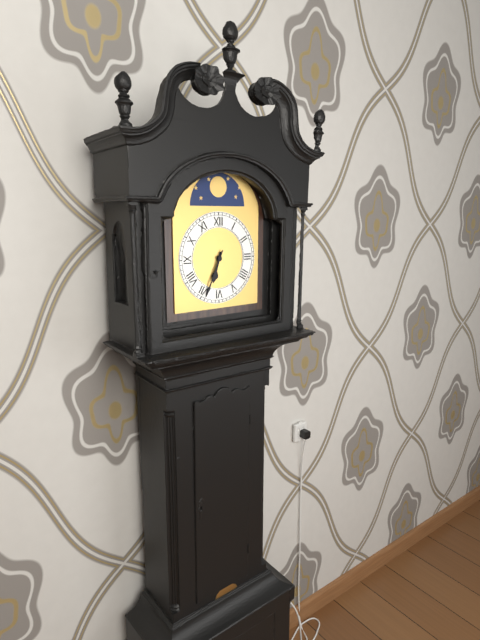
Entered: {"hour": 6, "minute": 34}
